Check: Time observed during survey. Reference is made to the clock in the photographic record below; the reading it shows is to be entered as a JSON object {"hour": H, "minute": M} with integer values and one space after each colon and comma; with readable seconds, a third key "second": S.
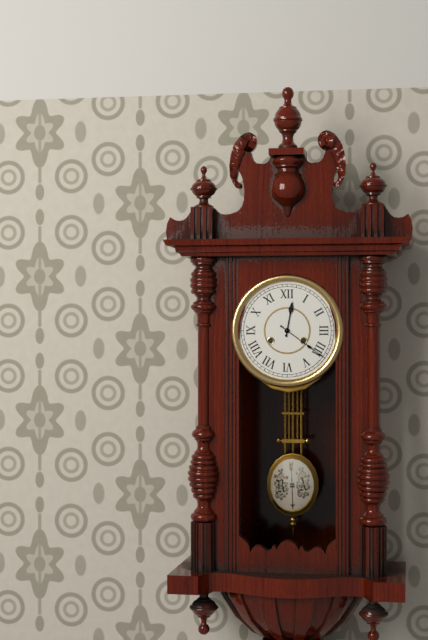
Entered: {"hour": 12, "minute": 21}
